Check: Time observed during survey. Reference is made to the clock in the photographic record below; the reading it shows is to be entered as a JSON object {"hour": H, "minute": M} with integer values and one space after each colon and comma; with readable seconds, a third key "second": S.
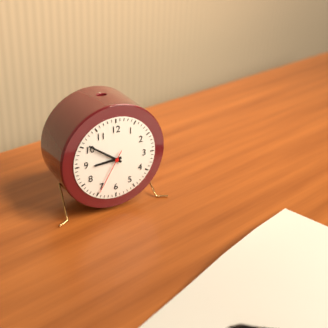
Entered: {"hour": 8, "minute": 51}
